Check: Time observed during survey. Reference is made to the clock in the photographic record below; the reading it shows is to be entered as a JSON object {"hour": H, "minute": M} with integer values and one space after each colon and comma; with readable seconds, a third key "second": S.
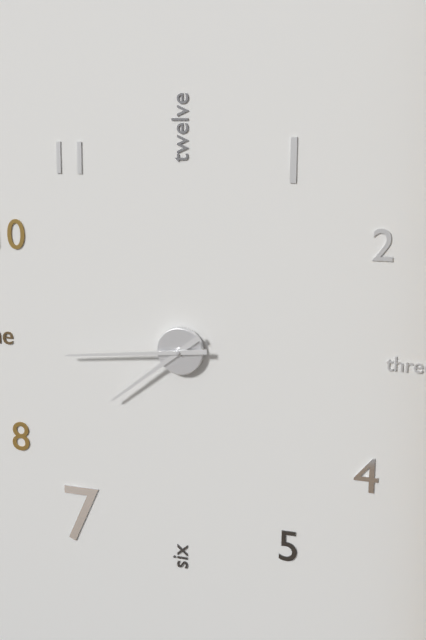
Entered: {"hour": 7, "minute": 44}
